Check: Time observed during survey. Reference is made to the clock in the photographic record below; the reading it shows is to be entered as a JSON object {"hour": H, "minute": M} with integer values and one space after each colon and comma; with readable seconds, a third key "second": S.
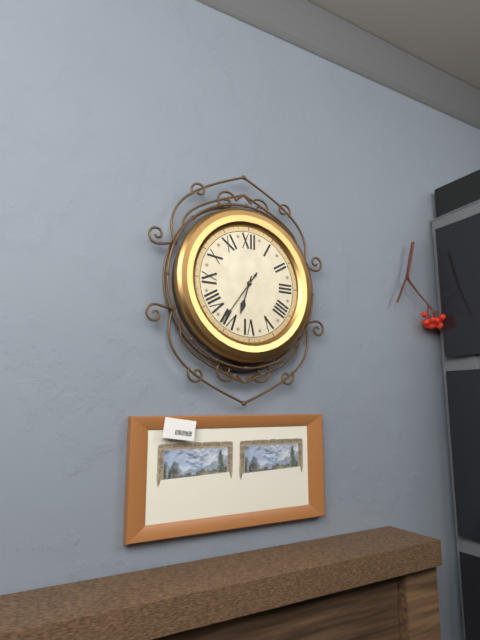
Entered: {"hour": 6, "minute": 36}
